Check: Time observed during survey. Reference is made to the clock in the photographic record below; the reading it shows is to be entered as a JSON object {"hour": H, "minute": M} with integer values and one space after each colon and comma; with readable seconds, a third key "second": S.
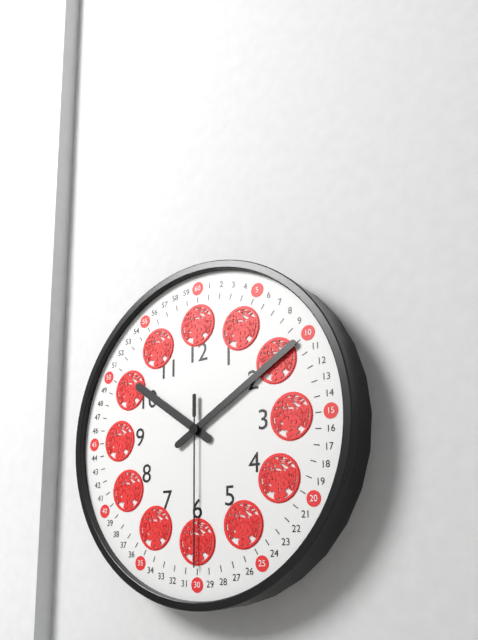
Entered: {"hour": 10, "minute": 10, "second": 30}
